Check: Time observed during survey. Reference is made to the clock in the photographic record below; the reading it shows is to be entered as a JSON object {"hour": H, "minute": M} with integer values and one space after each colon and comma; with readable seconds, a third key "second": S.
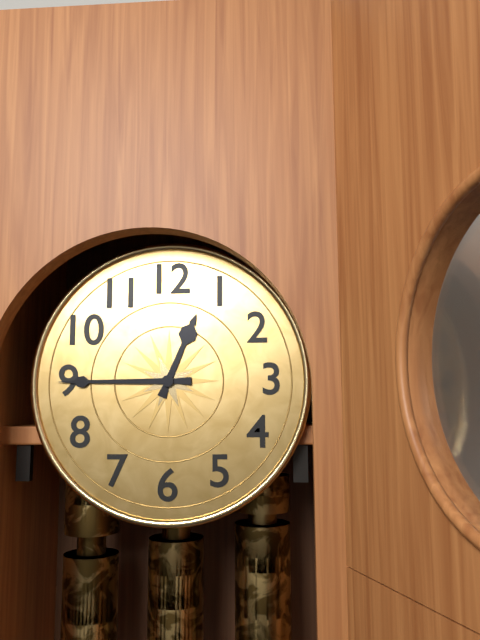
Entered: {"hour": 12, "minute": 45}
